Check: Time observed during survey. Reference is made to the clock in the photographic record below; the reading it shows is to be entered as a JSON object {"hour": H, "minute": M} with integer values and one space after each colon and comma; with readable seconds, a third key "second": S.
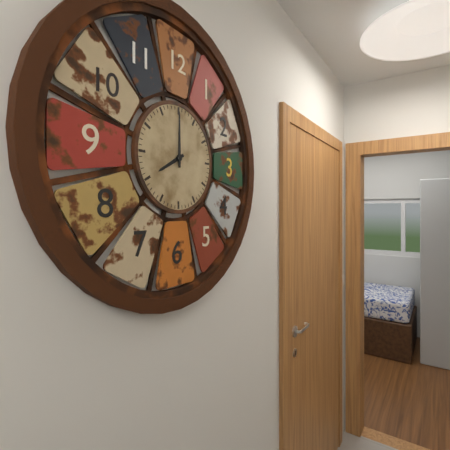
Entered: {"hour": 8, "minute": 0}
